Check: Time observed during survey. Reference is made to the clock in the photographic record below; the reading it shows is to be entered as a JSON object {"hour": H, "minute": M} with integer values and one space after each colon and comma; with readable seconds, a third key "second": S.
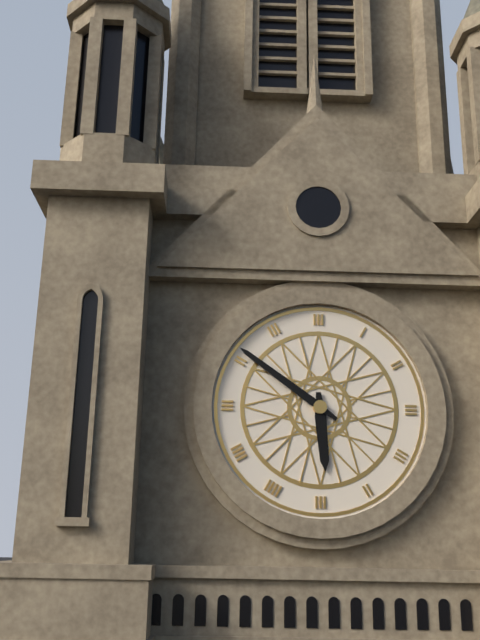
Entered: {"hour": 5, "minute": 51}
